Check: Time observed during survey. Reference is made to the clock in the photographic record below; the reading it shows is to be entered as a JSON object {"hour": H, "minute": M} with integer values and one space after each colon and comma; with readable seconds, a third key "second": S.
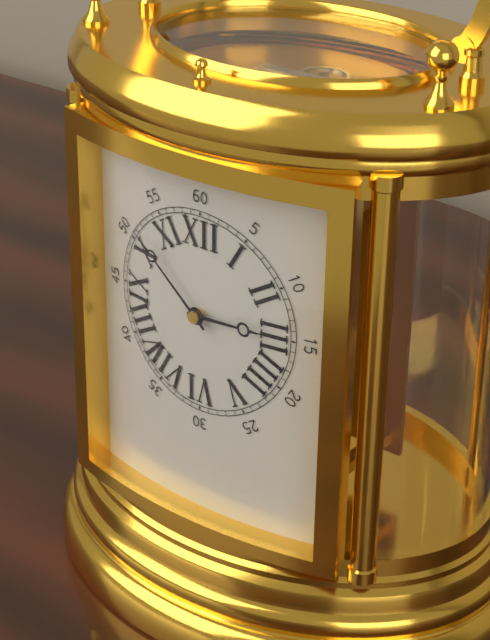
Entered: {"hour": 2, "minute": 52}
